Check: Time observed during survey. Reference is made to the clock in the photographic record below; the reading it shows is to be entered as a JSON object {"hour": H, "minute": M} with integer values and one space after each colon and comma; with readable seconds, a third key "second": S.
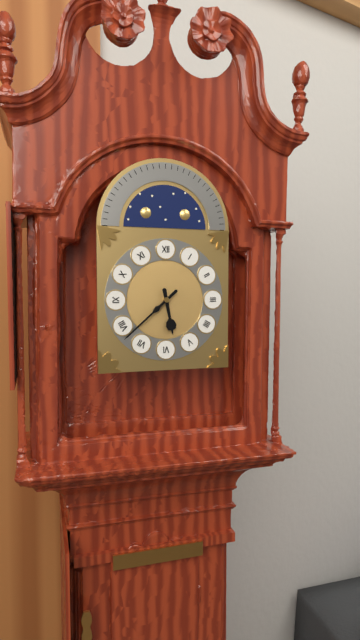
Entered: {"hour": 5, "minute": 38}
